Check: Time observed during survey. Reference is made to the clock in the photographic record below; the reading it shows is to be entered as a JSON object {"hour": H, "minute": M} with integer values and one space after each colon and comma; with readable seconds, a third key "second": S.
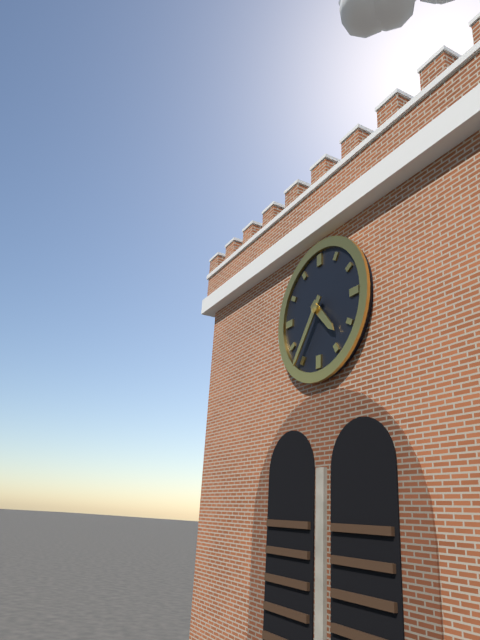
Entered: {"hour": 4, "minute": 36}
